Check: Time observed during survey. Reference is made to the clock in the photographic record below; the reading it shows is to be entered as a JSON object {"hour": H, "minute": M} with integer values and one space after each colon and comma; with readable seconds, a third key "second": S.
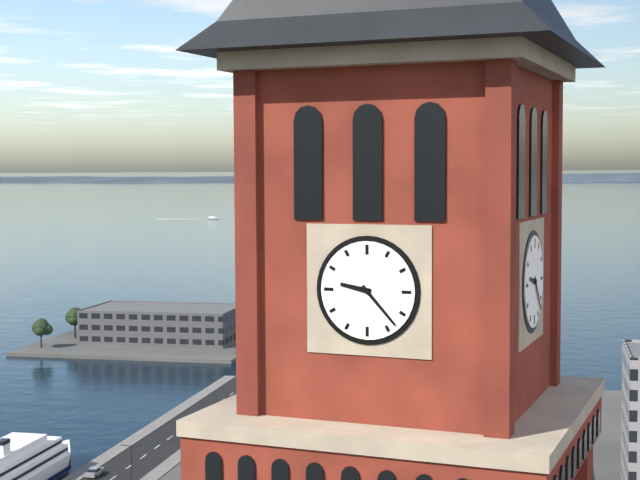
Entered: {"hour": 9, "minute": 23}
